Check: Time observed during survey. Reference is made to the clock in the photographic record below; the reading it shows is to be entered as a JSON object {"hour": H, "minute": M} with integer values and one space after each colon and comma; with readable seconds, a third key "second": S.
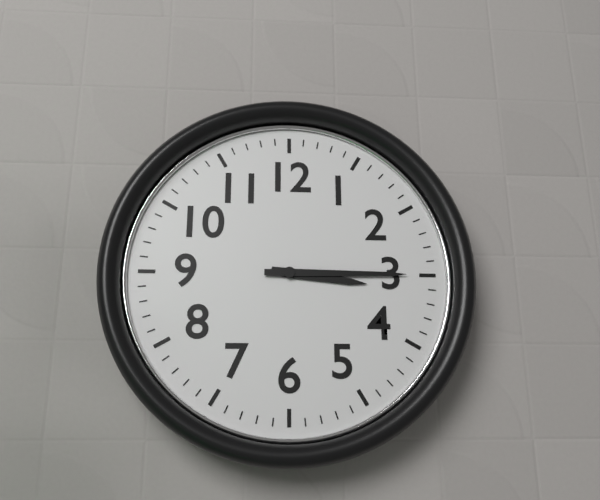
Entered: {"hour": 3, "minute": 15}
